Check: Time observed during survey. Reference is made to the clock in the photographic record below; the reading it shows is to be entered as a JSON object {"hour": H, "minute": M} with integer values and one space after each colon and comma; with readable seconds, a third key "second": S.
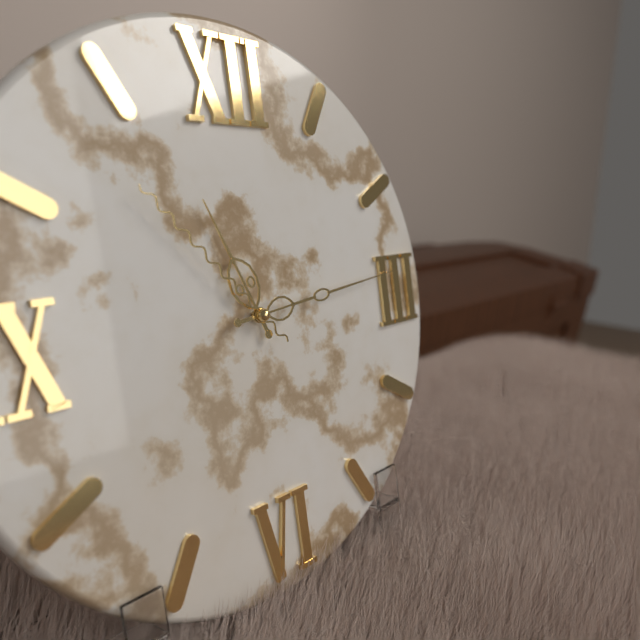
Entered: {"hour": 11, "minute": 14, "second": 53}
